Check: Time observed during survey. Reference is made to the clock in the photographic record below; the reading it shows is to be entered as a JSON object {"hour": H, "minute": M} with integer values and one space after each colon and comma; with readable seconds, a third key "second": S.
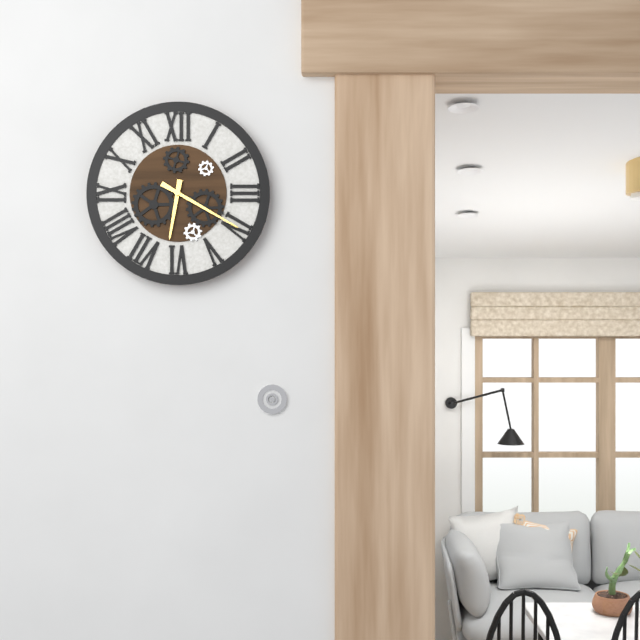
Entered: {"hour": 6, "minute": 20}
